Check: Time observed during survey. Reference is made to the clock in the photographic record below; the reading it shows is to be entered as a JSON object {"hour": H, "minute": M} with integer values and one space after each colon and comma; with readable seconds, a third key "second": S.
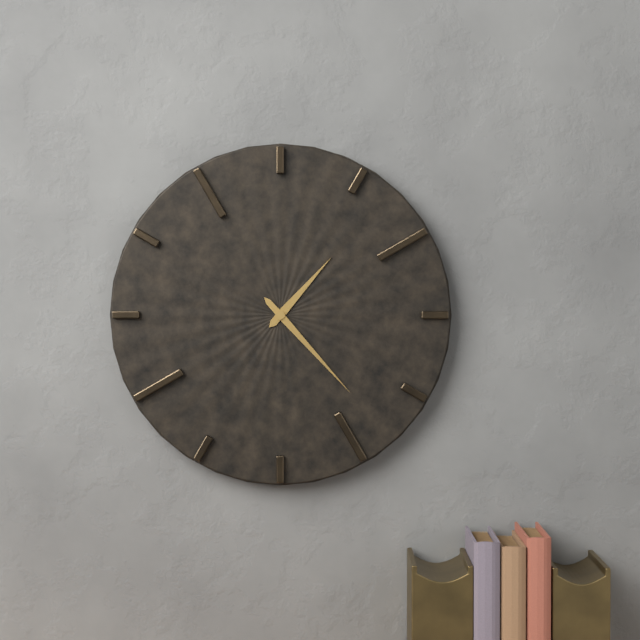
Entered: {"hour": 1, "minute": 23}
